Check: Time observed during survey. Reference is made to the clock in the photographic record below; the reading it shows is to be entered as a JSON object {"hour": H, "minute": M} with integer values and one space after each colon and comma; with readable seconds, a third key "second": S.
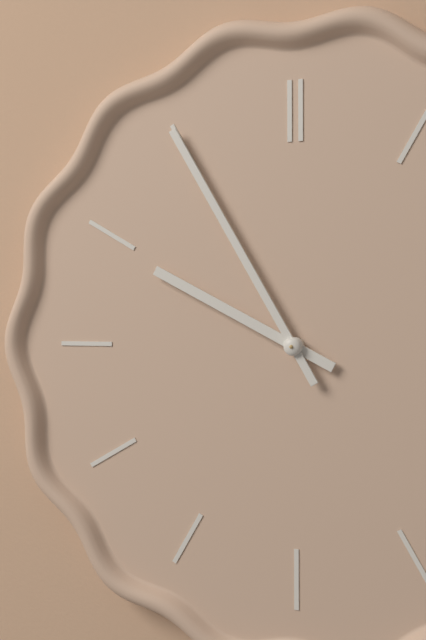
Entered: {"hour": 9, "minute": 55}
